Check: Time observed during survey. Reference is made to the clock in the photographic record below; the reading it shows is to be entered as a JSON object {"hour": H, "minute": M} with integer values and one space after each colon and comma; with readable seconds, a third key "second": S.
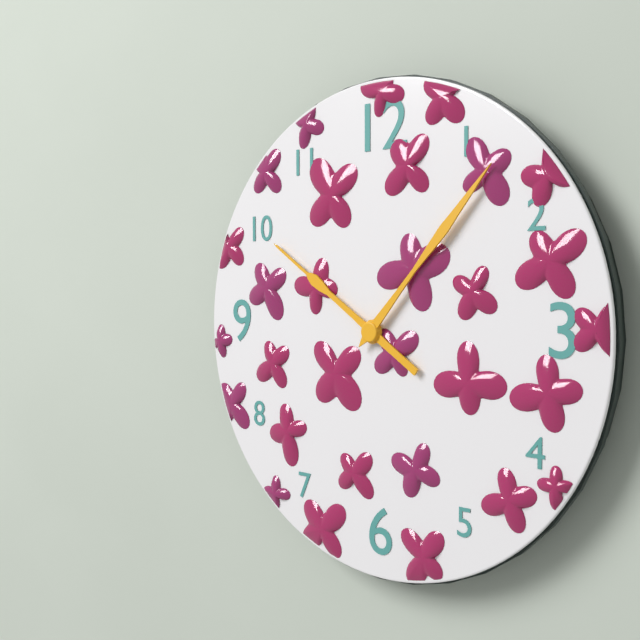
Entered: {"hour": 10, "minute": 7}
